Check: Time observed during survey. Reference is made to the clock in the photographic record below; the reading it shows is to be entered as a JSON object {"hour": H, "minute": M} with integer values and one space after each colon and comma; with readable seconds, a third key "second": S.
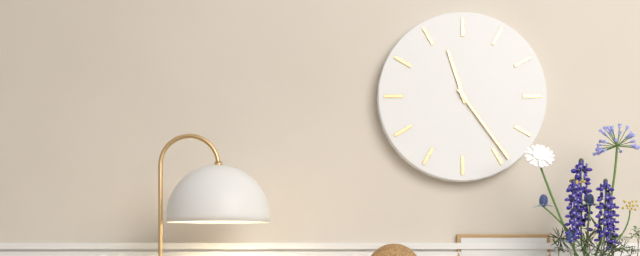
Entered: {"hour": 11, "minute": 24}
